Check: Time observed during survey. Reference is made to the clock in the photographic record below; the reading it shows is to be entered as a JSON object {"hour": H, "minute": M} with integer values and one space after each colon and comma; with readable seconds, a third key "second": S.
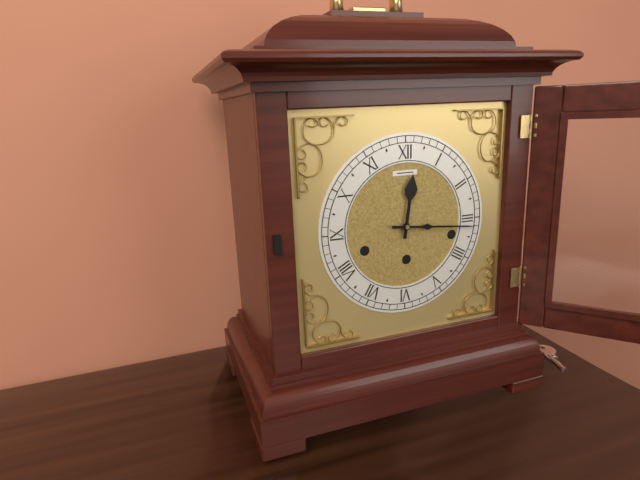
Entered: {"hour": 12, "minute": 16}
